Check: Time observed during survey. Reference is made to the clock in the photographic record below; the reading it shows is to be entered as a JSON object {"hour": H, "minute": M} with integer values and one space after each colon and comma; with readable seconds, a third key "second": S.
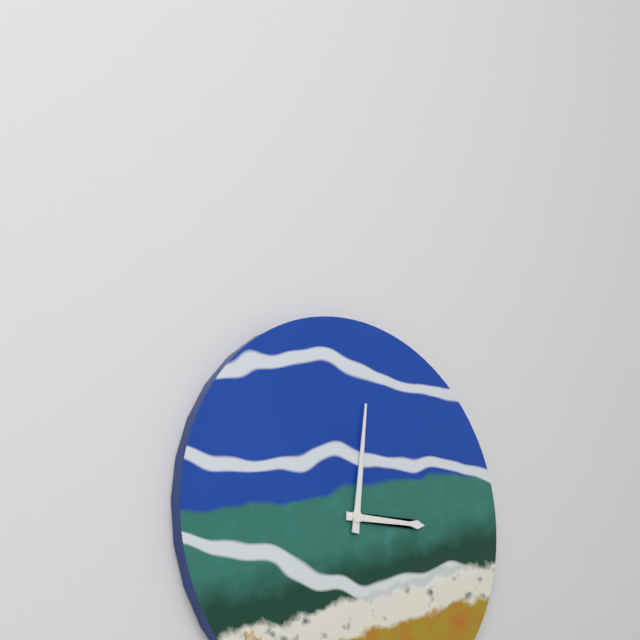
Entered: {"hour": 3, "minute": 1}
